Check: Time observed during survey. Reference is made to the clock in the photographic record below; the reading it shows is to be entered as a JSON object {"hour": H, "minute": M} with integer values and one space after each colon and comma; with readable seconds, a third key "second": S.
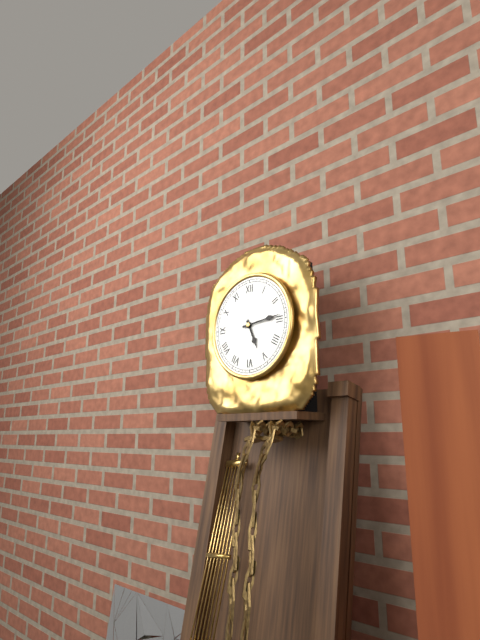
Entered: {"hour": 5, "minute": 14}
